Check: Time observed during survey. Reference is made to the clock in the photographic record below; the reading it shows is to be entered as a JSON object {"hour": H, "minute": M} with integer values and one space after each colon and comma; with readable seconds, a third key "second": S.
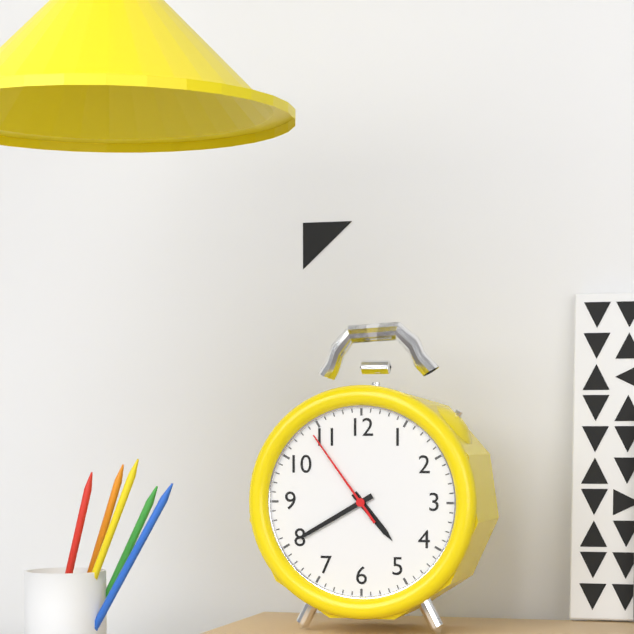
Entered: {"hour": 4, "minute": 40, "second": 54}
